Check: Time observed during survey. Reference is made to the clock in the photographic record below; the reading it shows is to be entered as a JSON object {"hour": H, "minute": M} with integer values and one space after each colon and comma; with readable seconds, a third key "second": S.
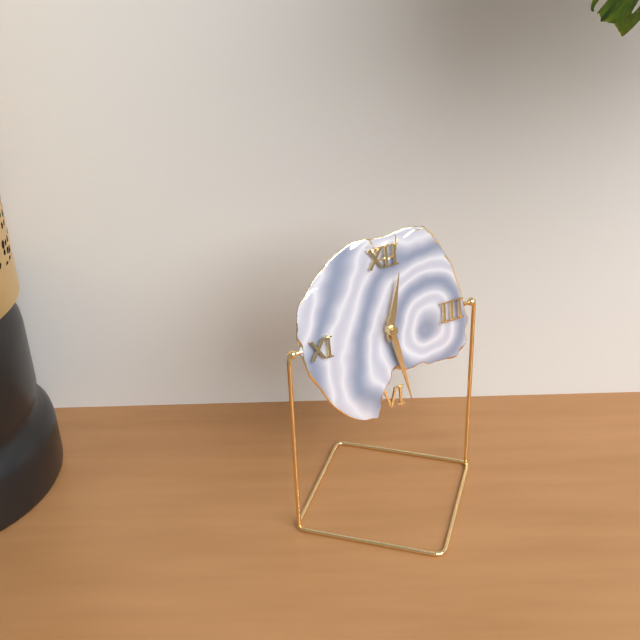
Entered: {"hour": 12, "minute": 28}
